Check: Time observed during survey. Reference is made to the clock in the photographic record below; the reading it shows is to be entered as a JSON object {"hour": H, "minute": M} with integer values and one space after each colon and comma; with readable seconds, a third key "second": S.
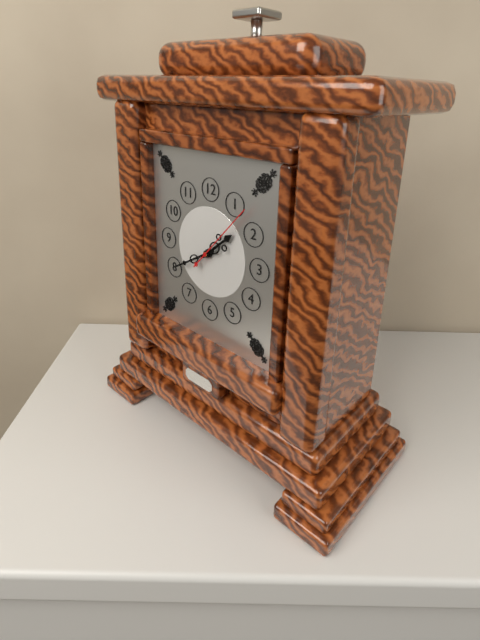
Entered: {"hour": 1, "minute": 40, "second": 7}
